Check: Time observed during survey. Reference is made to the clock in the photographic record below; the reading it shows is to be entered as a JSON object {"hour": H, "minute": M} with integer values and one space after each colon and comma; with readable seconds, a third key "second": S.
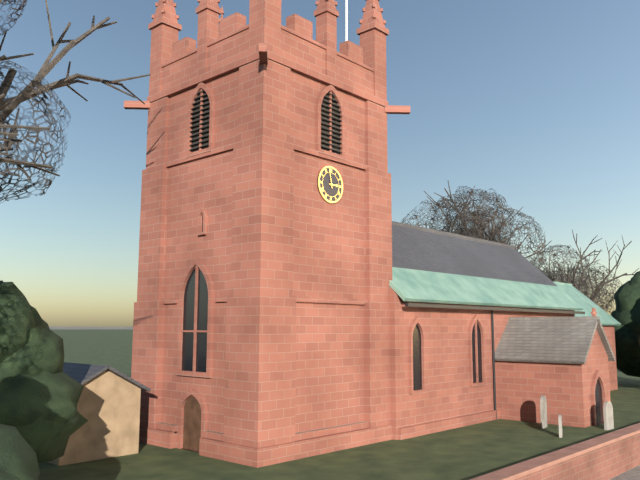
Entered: {"hour": 2, "minute": 58}
